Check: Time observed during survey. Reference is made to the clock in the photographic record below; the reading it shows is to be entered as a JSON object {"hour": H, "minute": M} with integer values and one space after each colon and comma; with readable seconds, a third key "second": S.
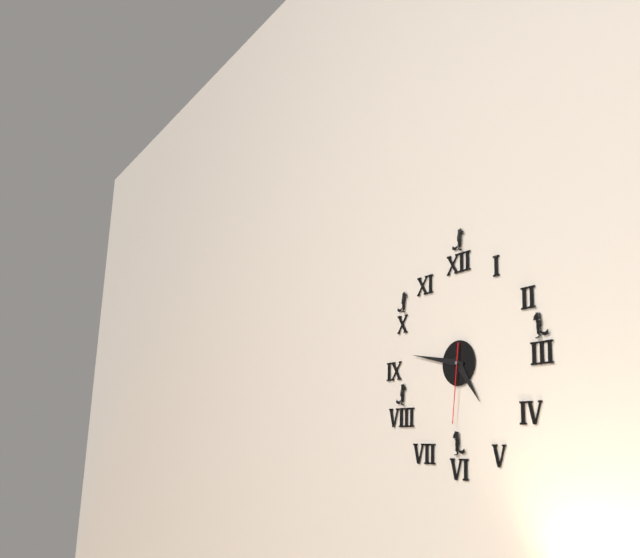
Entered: {"hour": 4, "minute": 47, "second": 31}
